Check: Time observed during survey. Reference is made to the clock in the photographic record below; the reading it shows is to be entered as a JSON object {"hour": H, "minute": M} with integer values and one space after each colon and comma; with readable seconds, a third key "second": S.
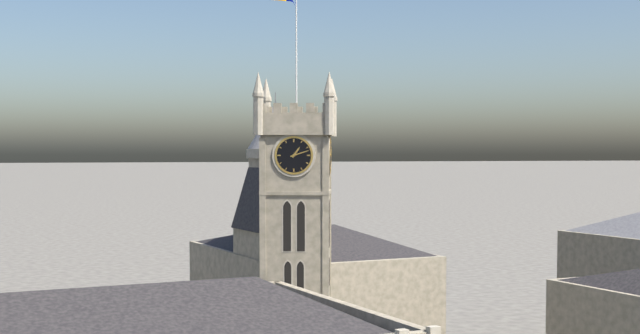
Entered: {"hour": 1, "minute": 12}
